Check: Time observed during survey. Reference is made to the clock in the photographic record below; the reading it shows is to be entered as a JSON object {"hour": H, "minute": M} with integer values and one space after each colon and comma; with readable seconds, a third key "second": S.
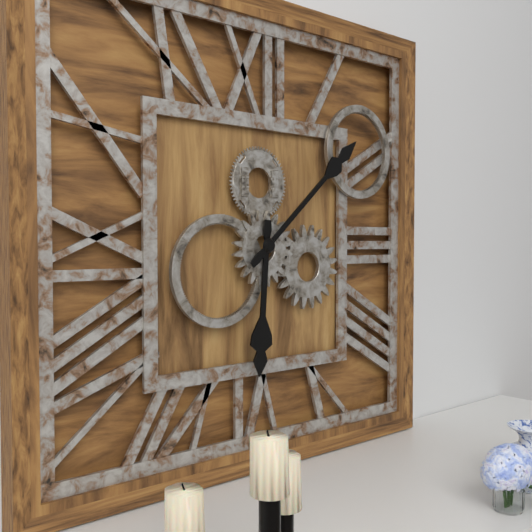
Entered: {"hour": 6, "minute": 8}
